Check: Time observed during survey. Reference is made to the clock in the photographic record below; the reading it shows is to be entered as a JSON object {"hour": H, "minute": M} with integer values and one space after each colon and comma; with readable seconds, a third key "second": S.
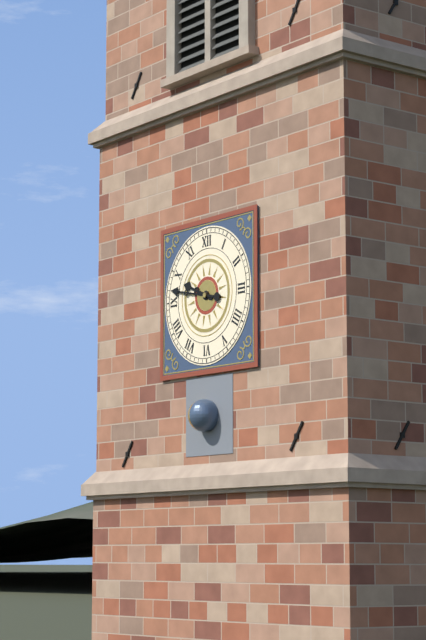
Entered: {"hour": 9, "minute": 47}
